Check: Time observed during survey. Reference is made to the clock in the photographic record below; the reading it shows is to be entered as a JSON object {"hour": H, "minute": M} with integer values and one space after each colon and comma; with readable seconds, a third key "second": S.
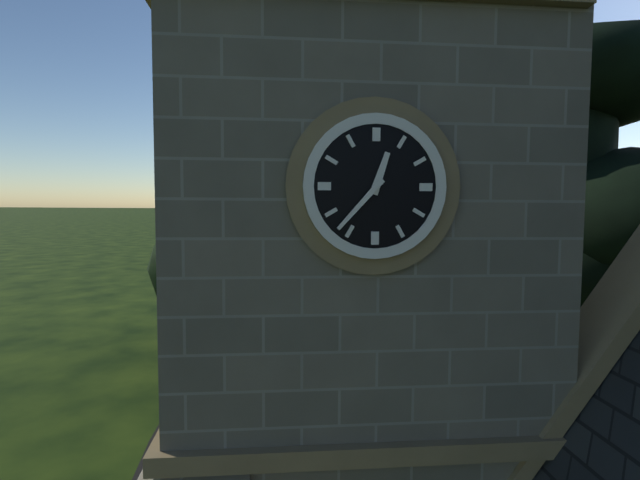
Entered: {"hour": 12, "minute": 37}
